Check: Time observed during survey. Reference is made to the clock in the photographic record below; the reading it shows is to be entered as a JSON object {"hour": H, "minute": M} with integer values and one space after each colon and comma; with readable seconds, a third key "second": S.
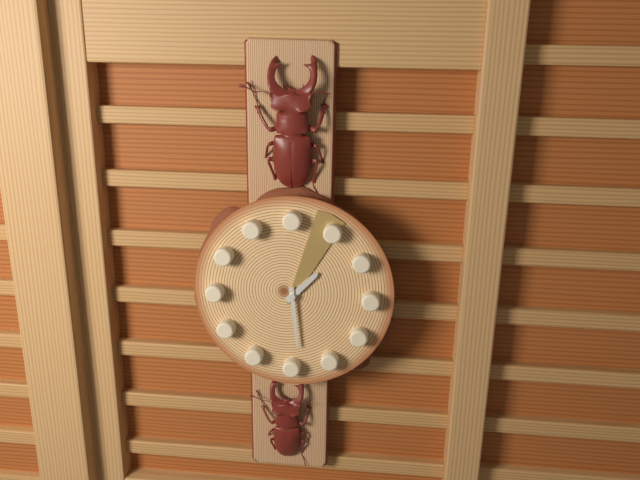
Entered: {"hour": 1, "minute": 29, "second": 4}
